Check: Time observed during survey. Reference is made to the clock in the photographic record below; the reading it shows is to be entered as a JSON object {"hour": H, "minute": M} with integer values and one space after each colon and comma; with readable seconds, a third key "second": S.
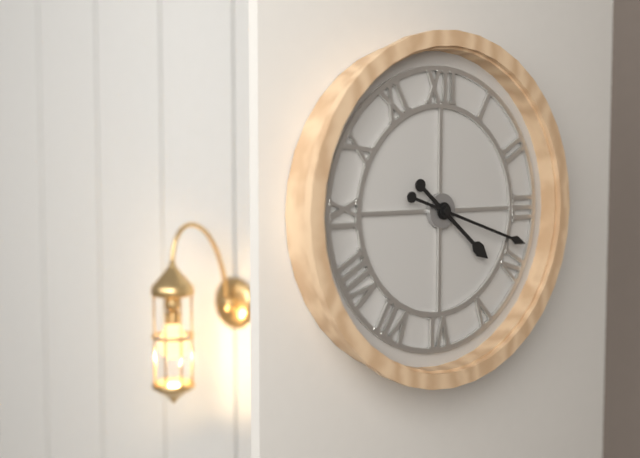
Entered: {"hour": 4, "minute": 18}
